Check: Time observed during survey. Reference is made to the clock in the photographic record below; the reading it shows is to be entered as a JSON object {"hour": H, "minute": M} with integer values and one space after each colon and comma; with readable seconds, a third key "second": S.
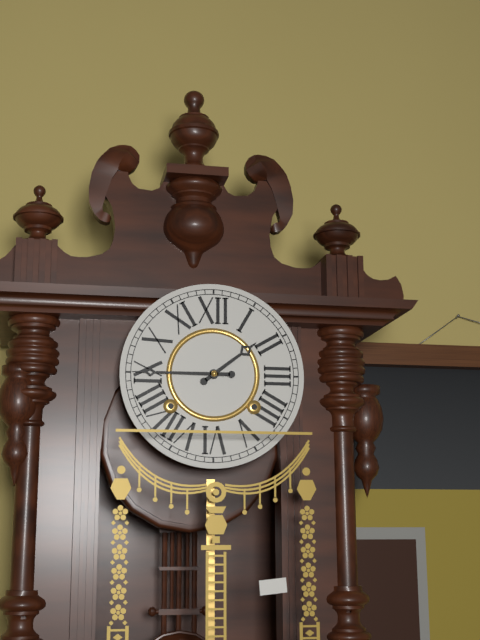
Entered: {"hour": 1, "minute": 45}
